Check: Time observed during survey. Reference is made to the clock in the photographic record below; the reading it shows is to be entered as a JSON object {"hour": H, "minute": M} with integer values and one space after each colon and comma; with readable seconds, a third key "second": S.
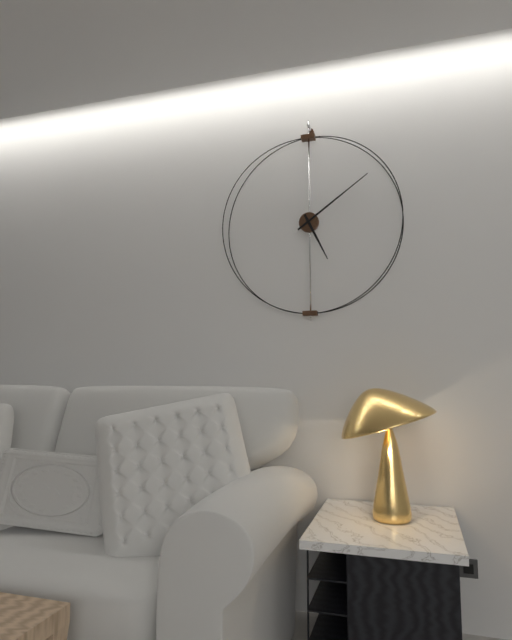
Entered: {"hour": 5, "minute": 9}
